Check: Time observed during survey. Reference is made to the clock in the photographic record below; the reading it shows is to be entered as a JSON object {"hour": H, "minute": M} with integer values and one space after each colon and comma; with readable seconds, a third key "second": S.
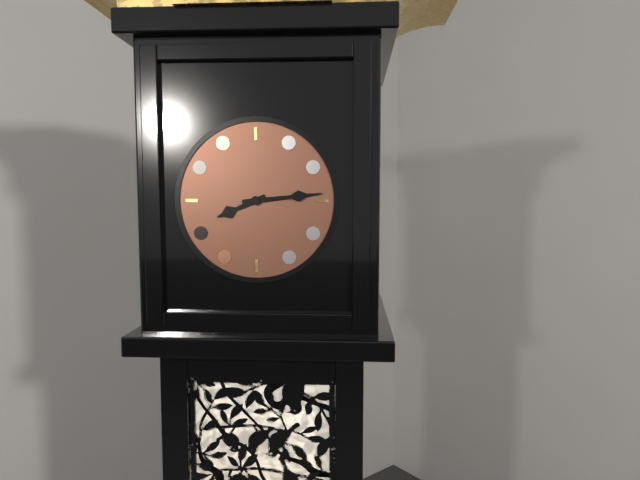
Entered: {"hour": 8, "minute": 14}
